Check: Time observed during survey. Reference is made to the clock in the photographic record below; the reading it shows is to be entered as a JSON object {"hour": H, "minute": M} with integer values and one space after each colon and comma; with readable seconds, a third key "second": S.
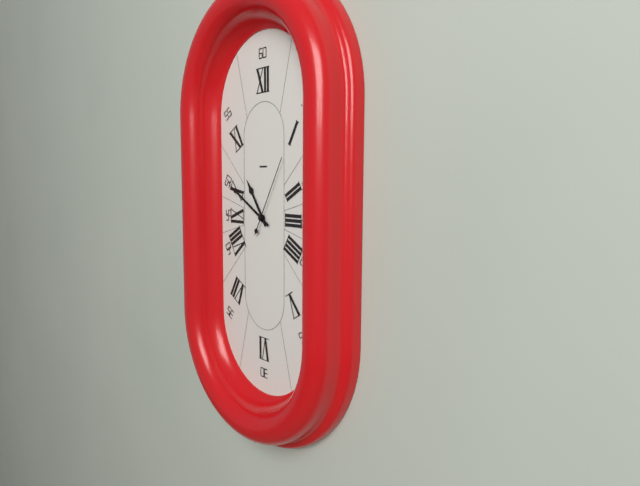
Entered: {"hour": 10, "minute": 50, "second": 5}
